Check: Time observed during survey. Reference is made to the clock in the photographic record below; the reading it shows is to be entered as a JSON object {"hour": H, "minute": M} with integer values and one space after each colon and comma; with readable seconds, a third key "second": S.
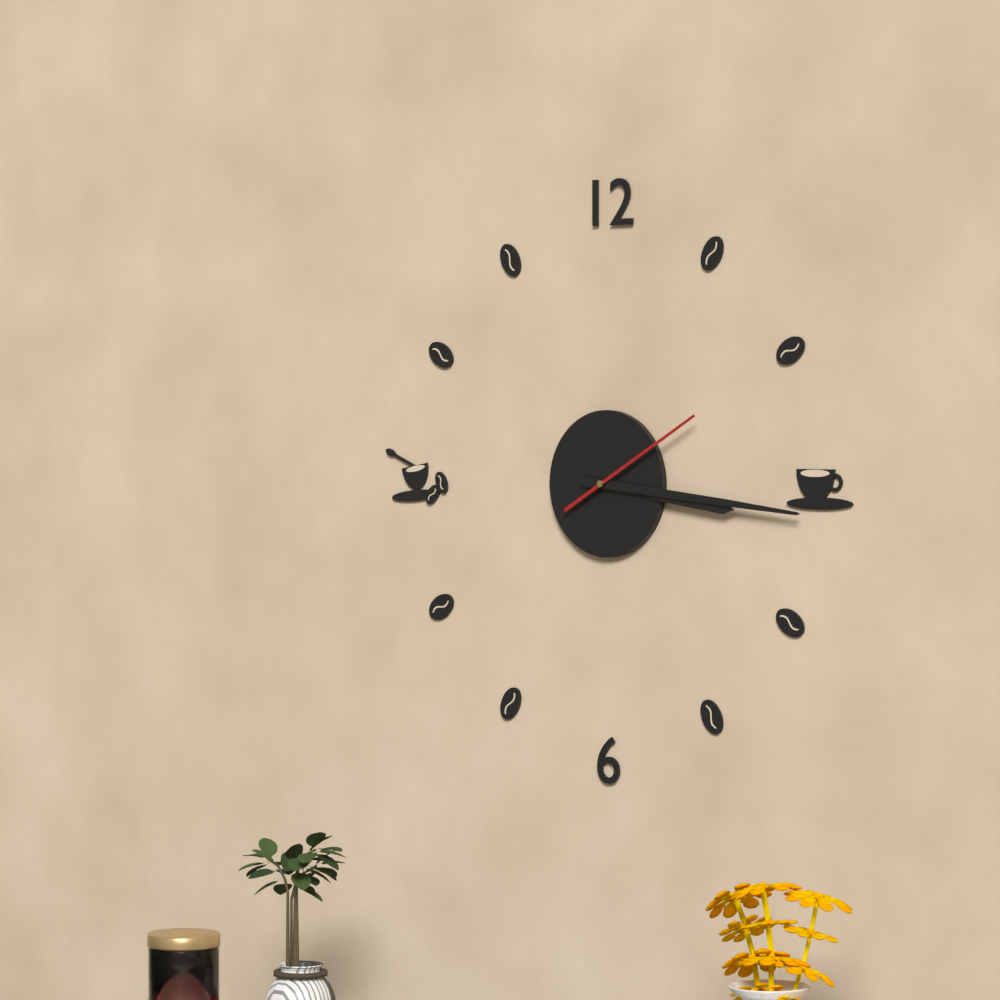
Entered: {"hour": 3, "minute": 16, "second": 10}
